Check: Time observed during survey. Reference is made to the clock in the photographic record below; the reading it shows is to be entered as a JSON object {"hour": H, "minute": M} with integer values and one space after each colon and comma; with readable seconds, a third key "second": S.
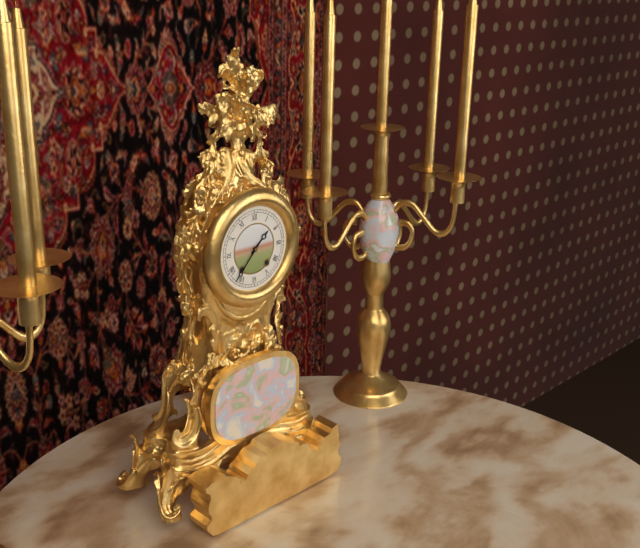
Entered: {"hour": 1, "minute": 37}
